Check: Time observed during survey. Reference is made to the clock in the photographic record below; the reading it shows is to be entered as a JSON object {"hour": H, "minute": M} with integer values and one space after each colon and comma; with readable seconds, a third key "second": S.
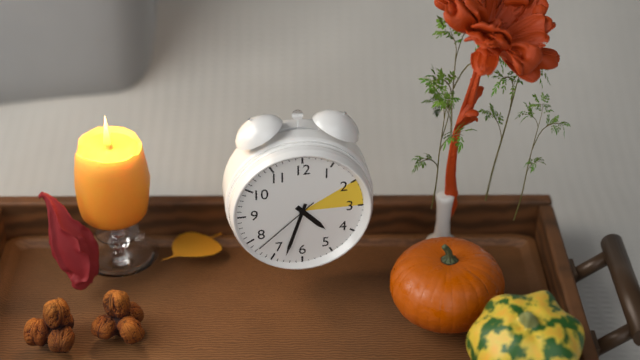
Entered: {"hour": 4, "minute": 33, "second": 38}
